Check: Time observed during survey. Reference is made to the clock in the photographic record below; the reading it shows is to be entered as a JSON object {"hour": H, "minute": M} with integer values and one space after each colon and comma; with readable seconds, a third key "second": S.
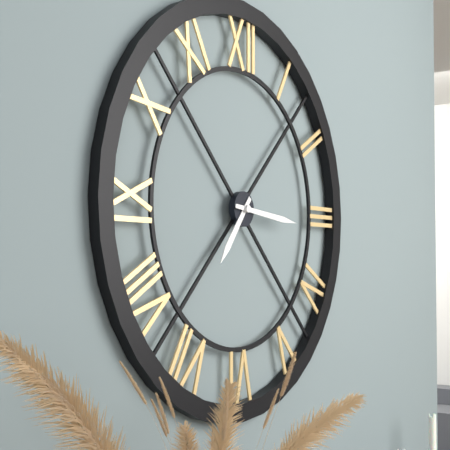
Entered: {"hour": 7, "minute": 16}
